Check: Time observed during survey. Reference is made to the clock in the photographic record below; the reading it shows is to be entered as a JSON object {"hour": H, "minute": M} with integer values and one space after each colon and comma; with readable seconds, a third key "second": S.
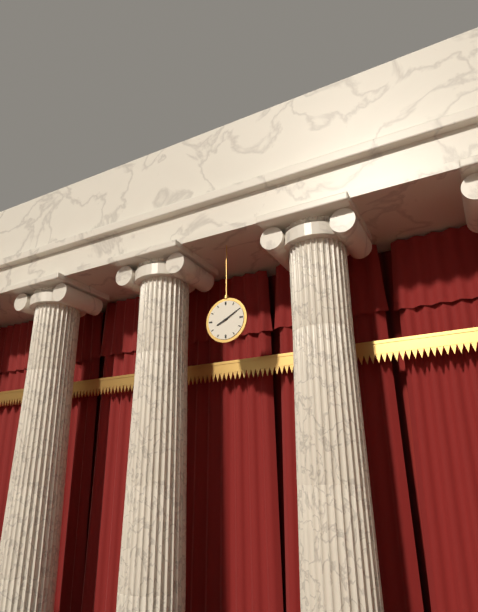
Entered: {"hour": 8, "minute": 10}
